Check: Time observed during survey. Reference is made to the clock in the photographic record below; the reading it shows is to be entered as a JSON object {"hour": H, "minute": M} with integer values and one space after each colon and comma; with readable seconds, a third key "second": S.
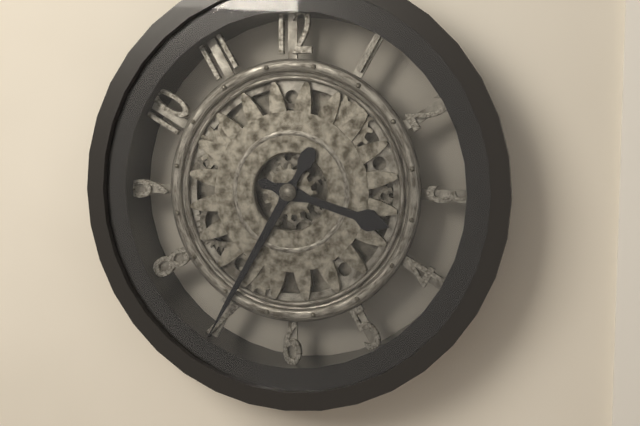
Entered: {"hour": 3, "minute": 35}
